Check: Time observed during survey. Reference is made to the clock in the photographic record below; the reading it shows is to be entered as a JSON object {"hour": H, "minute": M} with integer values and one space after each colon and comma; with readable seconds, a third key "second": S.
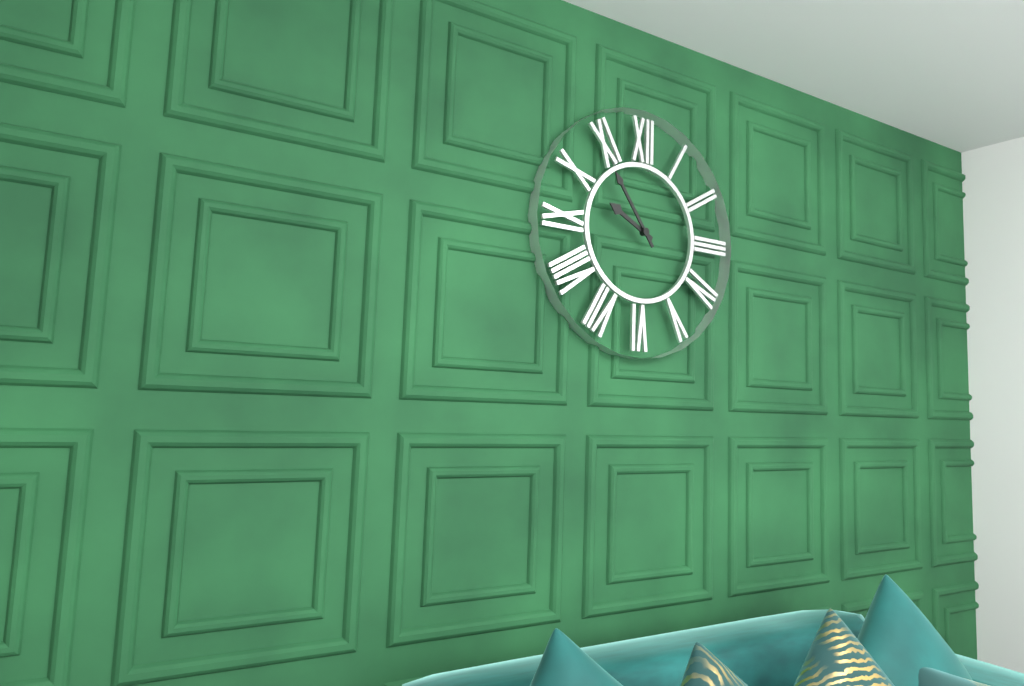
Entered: {"hour": 9, "minute": 54}
